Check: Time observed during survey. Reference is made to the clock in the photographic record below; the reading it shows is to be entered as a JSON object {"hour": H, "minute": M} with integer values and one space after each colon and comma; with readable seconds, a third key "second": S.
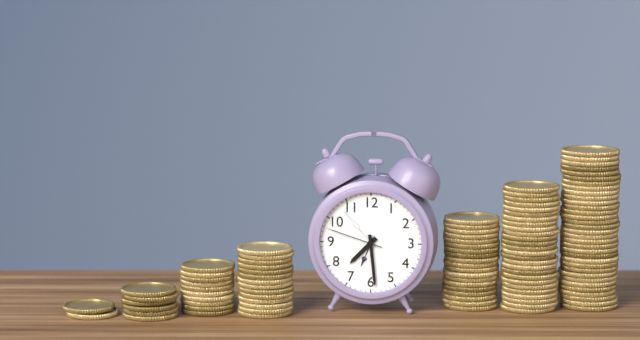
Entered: {"hour": 7, "minute": 29, "second": 48}
